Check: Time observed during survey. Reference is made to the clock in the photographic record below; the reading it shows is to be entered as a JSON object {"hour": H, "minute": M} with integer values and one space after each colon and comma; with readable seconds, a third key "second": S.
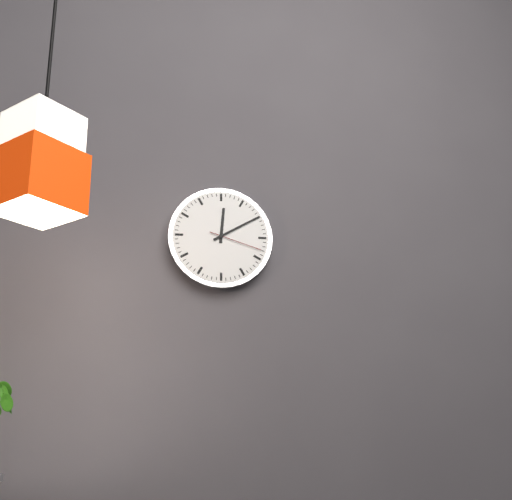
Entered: {"hour": 12, "minute": 10, "second": 18}
